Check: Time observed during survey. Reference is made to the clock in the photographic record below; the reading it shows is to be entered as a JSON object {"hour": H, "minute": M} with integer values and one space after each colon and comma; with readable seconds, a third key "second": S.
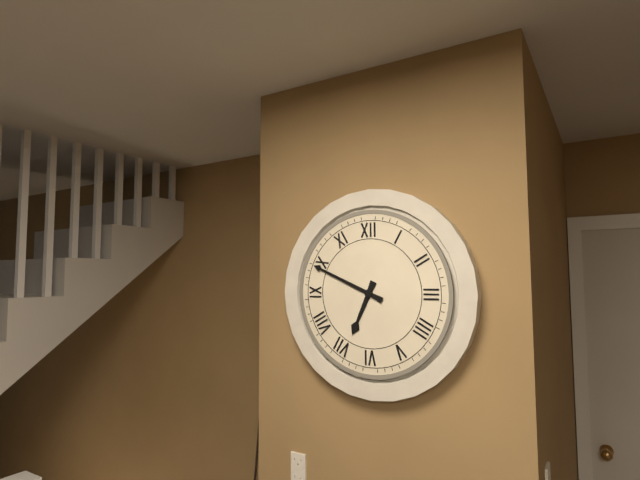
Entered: {"hour": 6, "minute": 49}
